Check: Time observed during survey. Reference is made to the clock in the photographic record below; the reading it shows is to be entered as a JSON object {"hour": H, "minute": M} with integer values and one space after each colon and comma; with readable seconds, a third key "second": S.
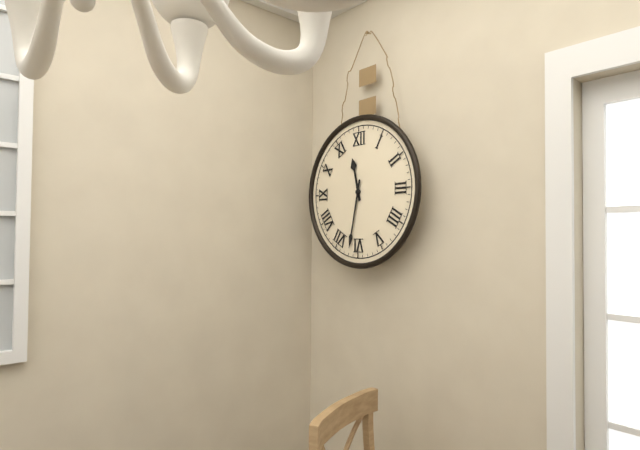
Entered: {"hour": 11, "minute": 32}
